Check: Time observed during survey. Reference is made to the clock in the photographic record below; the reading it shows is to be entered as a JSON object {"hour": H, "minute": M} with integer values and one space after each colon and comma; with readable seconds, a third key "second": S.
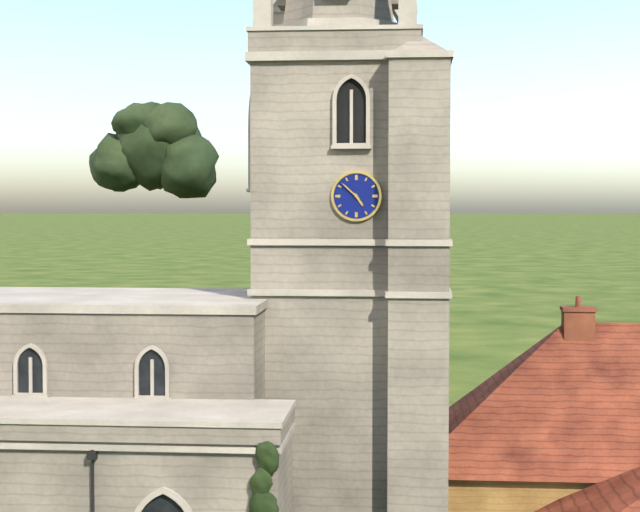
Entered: {"hour": 4, "minute": 52}
